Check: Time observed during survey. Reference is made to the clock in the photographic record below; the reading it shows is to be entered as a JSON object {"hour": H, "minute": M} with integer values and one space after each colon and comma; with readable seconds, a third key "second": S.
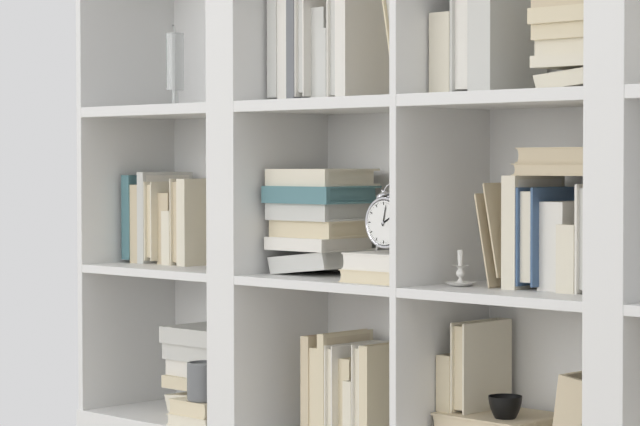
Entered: {"hour": 2, "minute": 2}
